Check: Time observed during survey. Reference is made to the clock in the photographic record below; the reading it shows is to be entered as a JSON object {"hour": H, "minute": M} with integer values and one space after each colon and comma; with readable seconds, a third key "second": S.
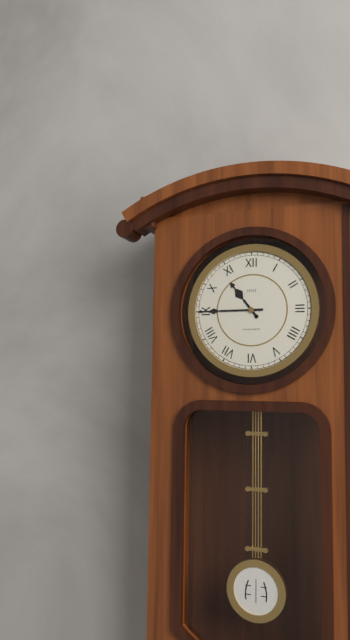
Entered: {"hour": 10, "minute": 45}
